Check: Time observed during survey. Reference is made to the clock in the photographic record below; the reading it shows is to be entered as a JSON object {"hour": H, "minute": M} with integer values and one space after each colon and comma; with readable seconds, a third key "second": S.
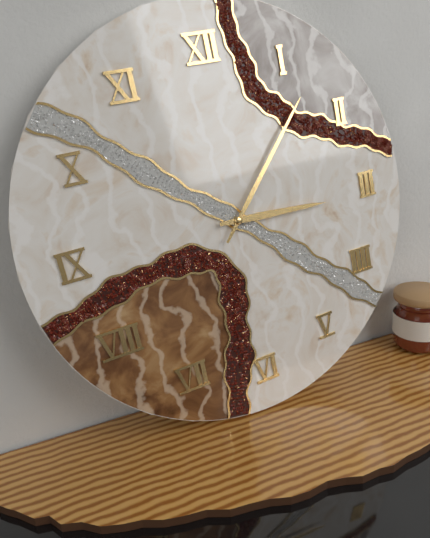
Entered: {"hour": 3, "minute": 7}
